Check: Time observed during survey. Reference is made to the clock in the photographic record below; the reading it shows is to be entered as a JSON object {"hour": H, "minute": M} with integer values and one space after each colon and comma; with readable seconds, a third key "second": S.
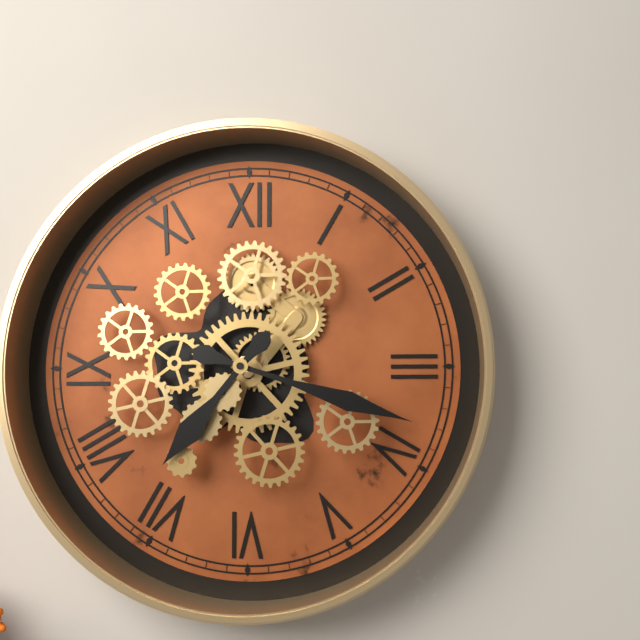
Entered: {"hour": 7, "minute": 18}
